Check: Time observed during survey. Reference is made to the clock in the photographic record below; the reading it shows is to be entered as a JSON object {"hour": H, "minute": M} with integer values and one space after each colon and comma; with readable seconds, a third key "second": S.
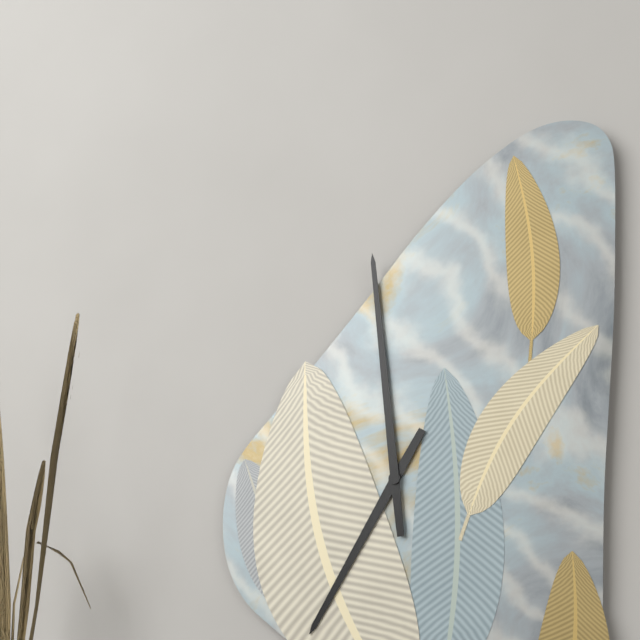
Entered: {"hour": 6, "minute": 59}
